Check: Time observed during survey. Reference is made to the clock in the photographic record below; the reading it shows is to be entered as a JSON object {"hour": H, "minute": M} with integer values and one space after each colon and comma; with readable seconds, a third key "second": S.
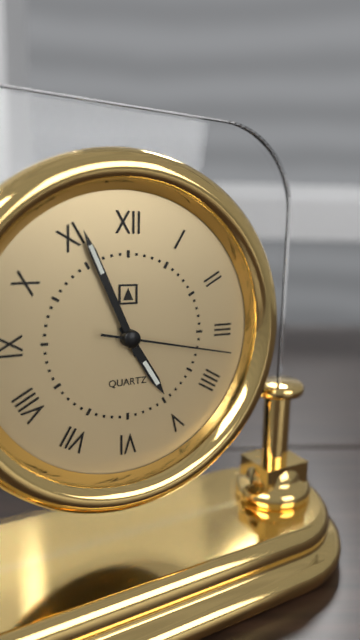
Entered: {"hour": 4, "minute": 56, "second": 17}
